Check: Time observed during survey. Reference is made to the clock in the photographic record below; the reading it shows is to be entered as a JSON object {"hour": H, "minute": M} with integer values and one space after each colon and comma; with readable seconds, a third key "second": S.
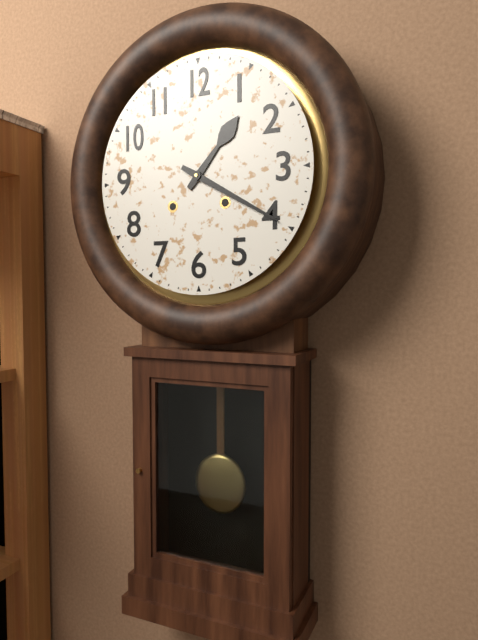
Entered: {"hour": 1, "minute": 20}
